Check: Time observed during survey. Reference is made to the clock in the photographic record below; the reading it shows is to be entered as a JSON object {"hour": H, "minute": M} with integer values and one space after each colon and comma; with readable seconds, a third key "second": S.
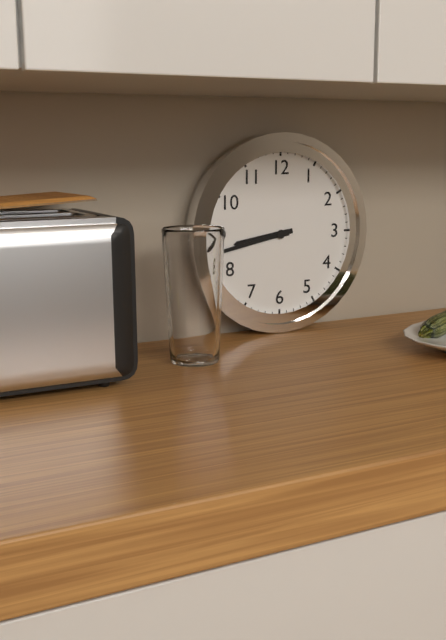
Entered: {"hour": 8, "minute": 43}
